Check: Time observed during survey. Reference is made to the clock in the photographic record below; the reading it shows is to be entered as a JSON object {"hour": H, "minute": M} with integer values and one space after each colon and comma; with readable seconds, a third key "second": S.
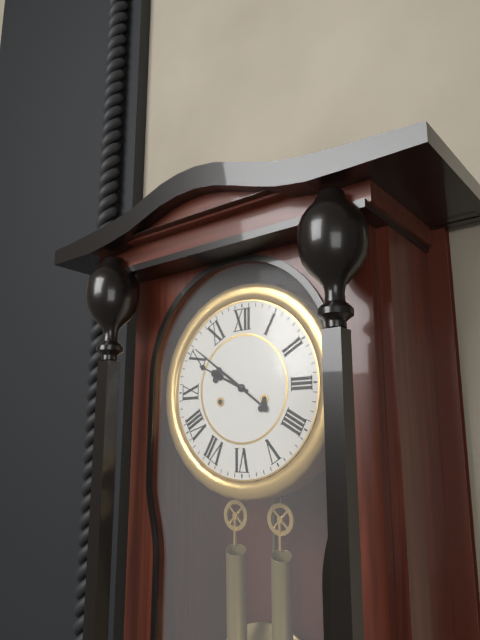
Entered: {"hour": 9, "minute": 51}
